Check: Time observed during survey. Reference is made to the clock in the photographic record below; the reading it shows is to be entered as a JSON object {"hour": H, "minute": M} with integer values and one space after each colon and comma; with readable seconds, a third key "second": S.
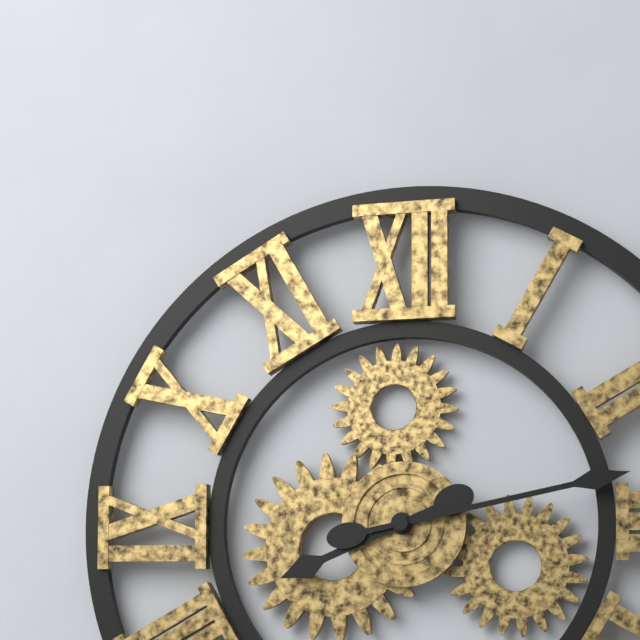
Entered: {"hour": 8, "minute": 13}
